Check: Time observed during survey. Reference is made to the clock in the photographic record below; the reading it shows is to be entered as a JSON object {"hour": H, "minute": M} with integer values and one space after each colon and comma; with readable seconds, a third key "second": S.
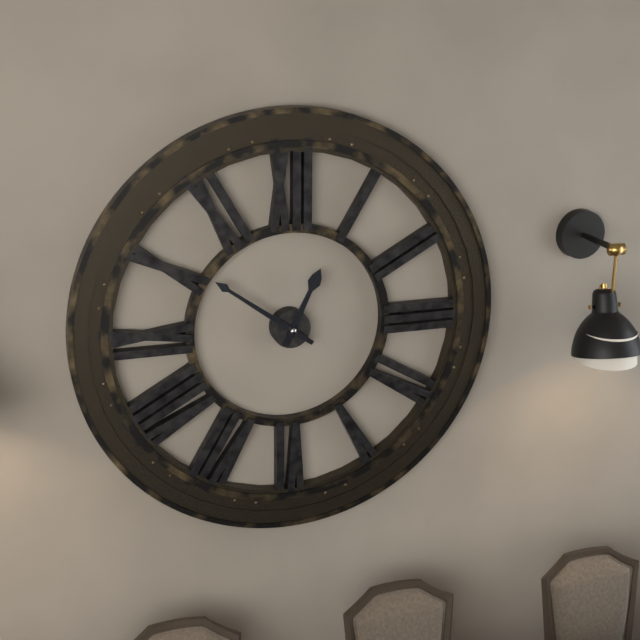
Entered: {"hour": 12, "minute": 51}
